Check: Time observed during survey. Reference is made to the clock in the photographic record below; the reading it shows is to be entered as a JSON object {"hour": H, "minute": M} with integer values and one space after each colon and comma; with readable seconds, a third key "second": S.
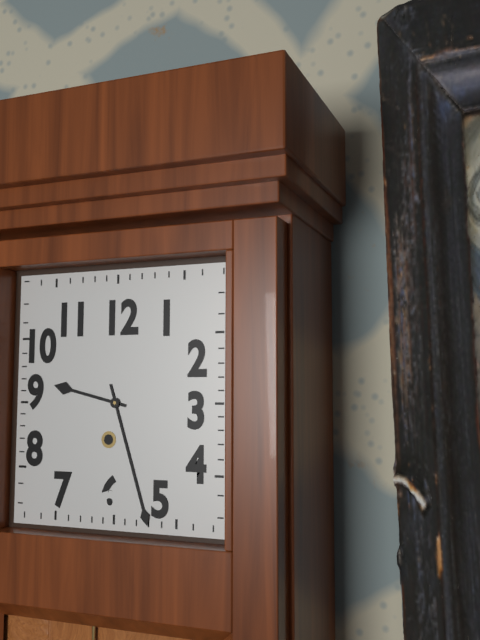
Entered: {"hour": 9, "minute": 27}
